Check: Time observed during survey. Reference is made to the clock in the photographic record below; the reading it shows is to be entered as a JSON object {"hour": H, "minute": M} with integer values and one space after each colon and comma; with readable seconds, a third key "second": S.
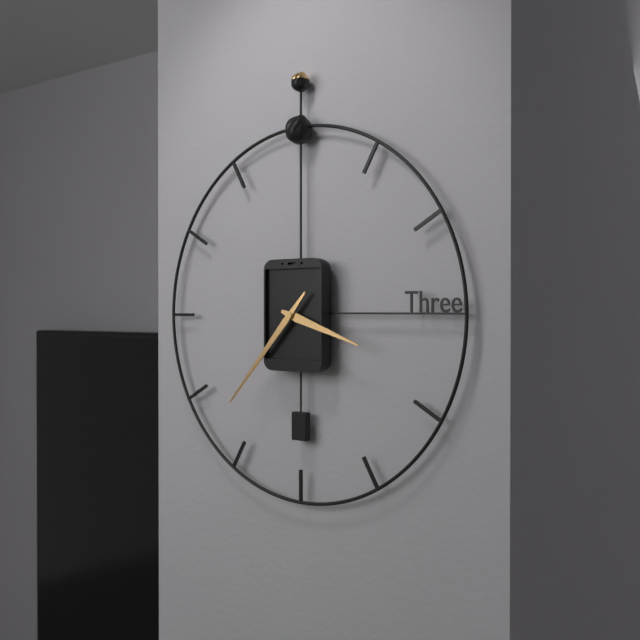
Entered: {"hour": 3, "minute": 37}
